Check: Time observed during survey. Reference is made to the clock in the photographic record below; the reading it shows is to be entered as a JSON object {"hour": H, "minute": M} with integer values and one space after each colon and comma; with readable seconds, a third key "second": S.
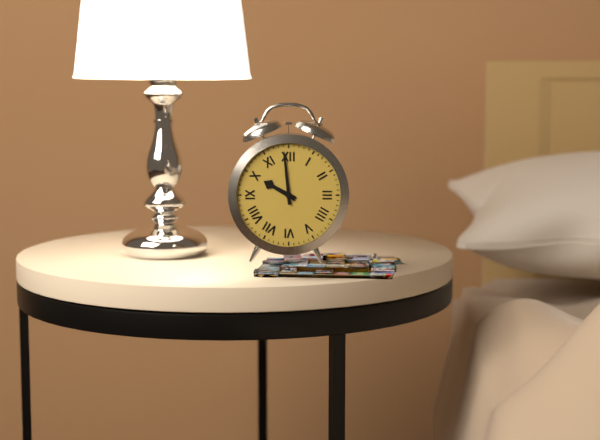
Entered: {"hour": 9, "minute": 59}
